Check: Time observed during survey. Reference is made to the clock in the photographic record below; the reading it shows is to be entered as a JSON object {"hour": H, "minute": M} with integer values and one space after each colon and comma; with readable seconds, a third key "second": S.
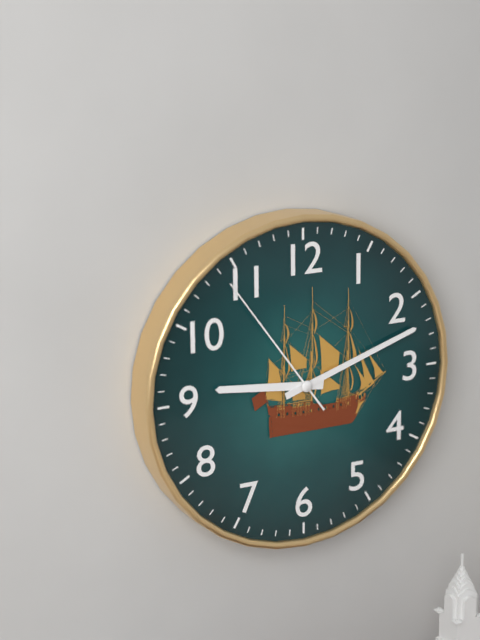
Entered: {"hour": 9, "minute": 12, "second": 54}
